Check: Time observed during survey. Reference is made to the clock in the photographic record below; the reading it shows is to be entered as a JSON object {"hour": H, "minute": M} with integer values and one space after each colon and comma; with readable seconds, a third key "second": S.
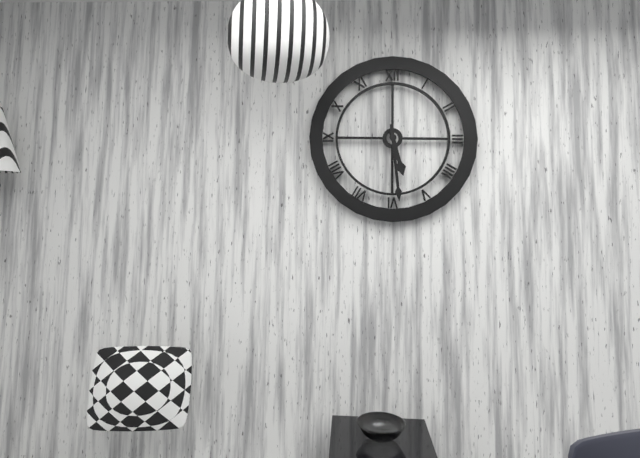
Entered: {"hour": 5, "minute": 29}
